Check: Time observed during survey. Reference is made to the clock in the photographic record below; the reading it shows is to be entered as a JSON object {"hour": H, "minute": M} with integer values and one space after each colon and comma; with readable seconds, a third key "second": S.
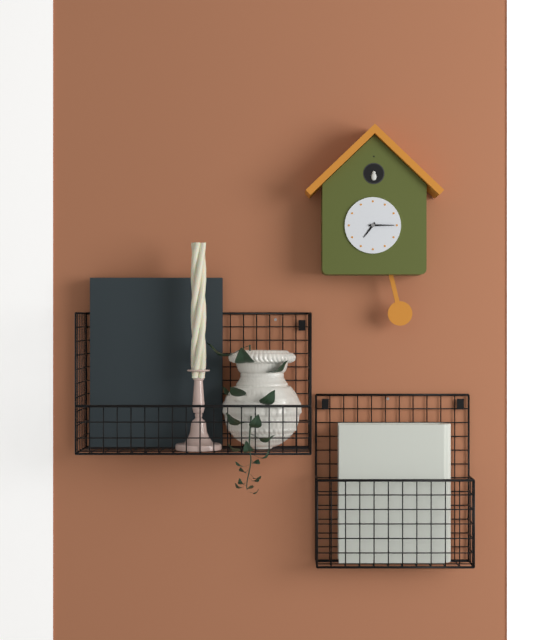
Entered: {"hour": 7, "minute": 15}
